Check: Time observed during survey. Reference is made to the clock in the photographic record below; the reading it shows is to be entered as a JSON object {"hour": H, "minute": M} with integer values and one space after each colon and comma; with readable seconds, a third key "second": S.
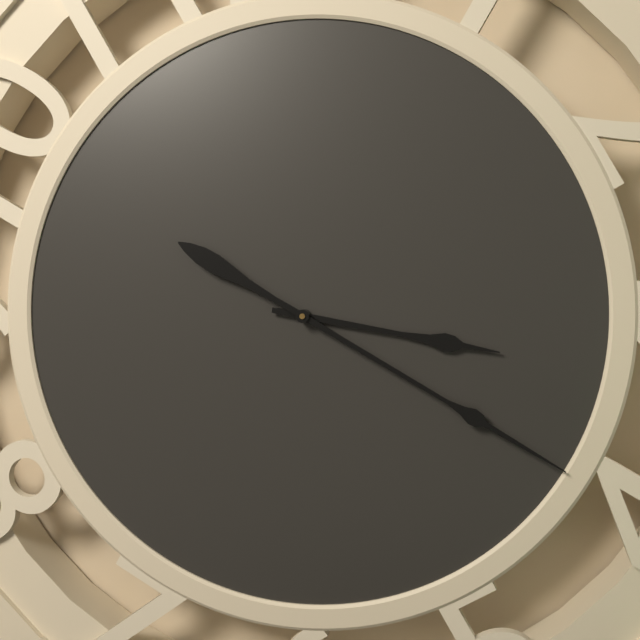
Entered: {"hour": 3, "minute": 20}
